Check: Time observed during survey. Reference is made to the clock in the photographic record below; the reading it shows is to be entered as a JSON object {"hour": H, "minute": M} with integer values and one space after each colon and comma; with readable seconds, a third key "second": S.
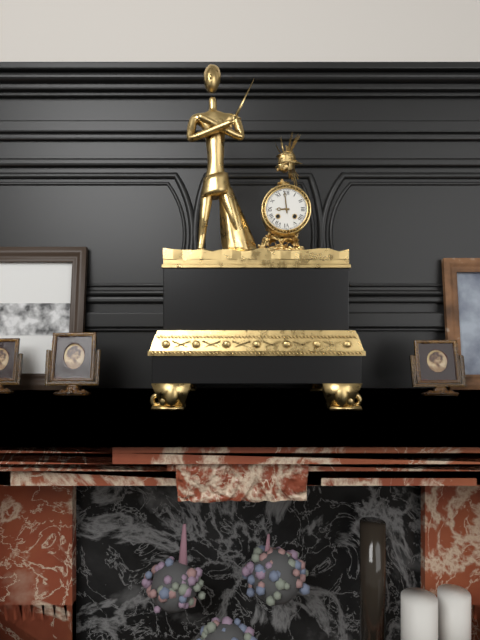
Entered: {"hour": 8, "minute": 59}
